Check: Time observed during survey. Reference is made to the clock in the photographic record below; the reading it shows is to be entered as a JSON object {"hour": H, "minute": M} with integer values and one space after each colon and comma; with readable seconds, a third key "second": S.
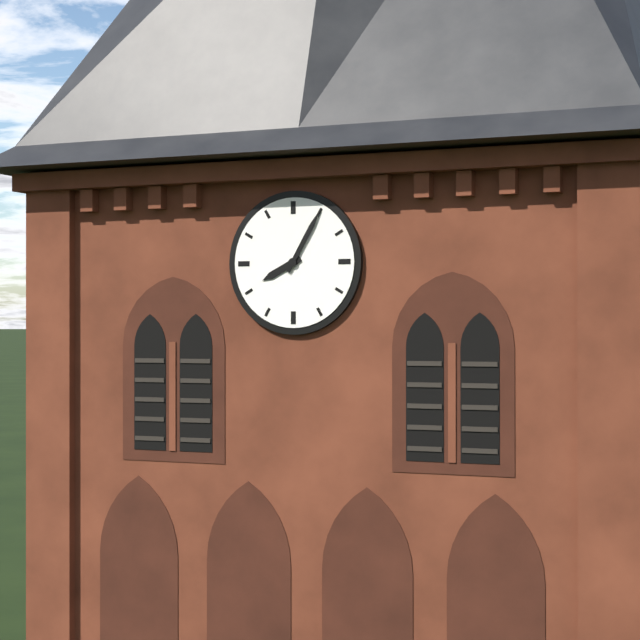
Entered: {"hour": 8, "minute": 5}
